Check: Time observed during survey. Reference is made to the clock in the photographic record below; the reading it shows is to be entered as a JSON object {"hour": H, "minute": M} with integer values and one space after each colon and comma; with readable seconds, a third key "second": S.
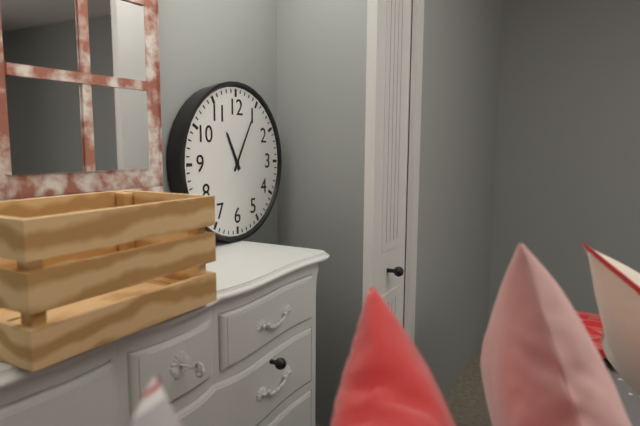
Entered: {"hour": 11, "minute": 5}
